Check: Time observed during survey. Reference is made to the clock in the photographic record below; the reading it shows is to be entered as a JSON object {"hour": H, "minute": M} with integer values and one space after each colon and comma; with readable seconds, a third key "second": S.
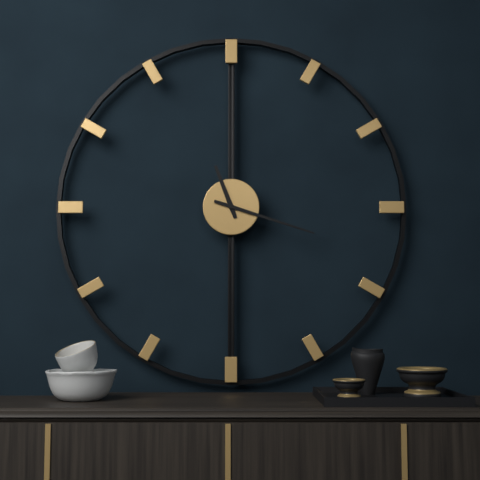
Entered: {"hour": 11, "minute": 18}
